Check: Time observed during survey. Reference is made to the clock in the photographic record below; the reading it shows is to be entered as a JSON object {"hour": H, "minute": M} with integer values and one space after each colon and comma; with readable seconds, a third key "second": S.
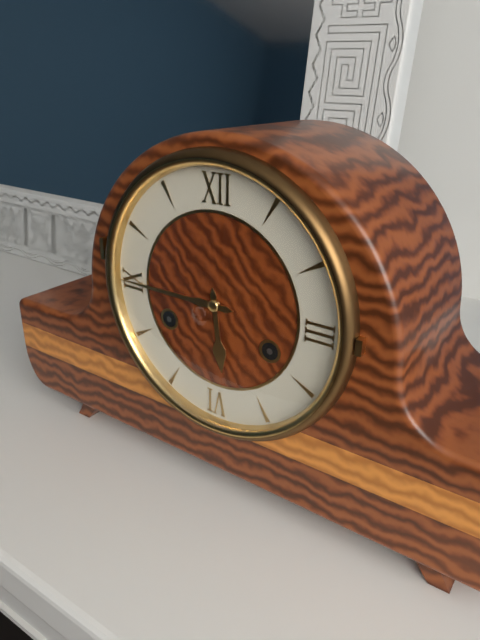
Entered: {"hour": 5, "minute": 45}
